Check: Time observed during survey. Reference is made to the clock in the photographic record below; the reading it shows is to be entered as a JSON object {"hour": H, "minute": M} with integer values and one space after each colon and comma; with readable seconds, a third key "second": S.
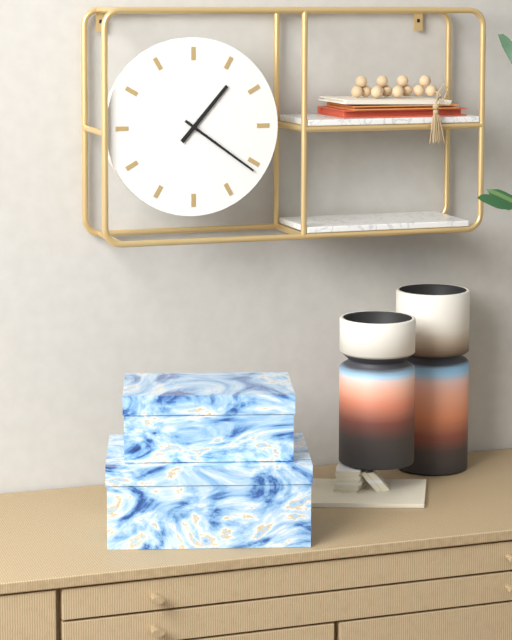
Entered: {"hour": 1, "minute": 21}
